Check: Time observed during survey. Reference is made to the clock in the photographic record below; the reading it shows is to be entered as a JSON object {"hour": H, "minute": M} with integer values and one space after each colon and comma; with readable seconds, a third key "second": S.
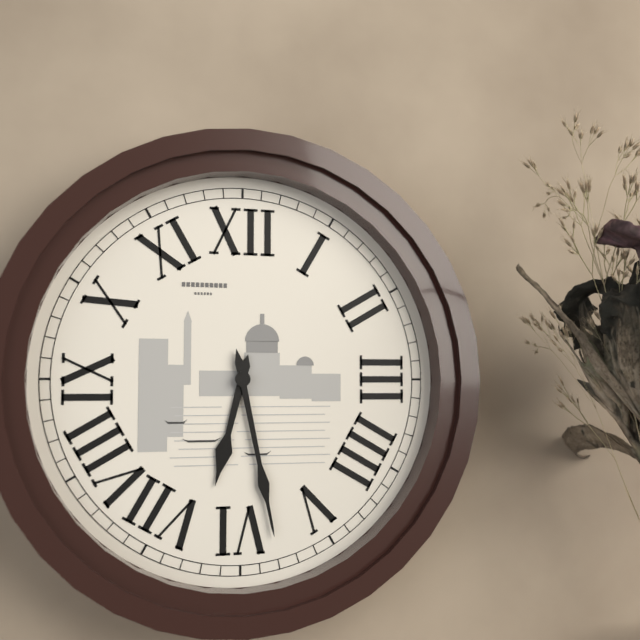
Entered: {"hour": 6, "minute": 28}
